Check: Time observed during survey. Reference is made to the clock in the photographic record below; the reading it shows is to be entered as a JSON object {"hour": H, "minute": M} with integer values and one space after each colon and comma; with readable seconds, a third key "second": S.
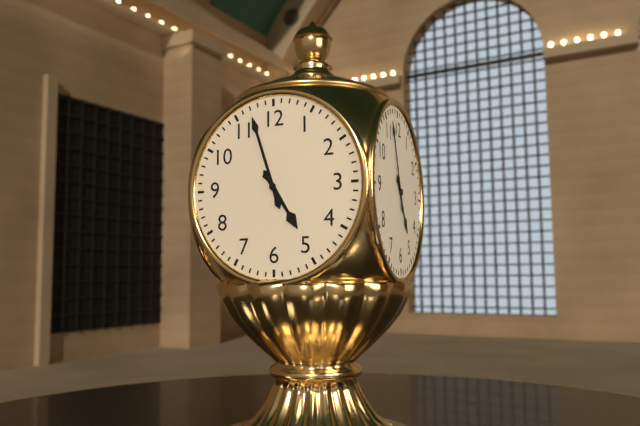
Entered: {"hour": 4, "minute": 57}
